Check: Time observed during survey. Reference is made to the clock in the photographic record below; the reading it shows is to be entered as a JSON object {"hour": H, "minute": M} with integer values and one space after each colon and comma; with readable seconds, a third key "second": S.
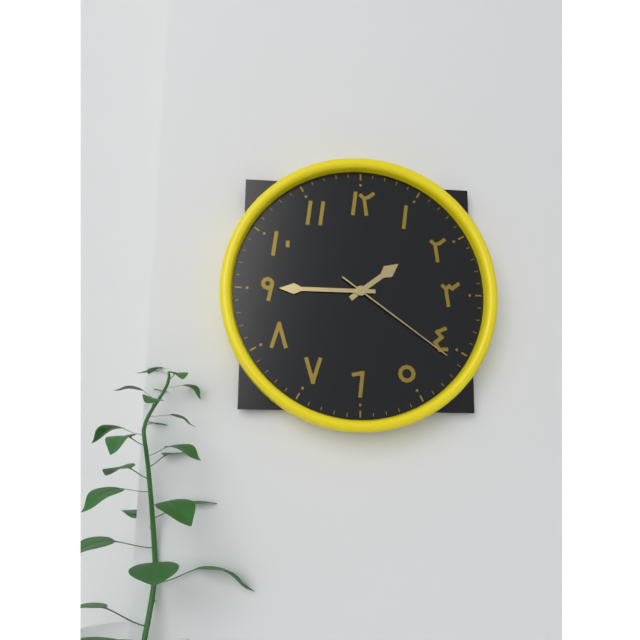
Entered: {"hour": 1, "minute": 45, "second": 21}
